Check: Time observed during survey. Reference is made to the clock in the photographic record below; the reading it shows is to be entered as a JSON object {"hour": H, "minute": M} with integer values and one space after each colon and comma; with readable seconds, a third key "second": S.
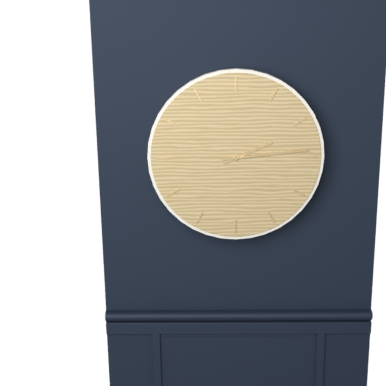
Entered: {"hour": 2, "minute": 14}
